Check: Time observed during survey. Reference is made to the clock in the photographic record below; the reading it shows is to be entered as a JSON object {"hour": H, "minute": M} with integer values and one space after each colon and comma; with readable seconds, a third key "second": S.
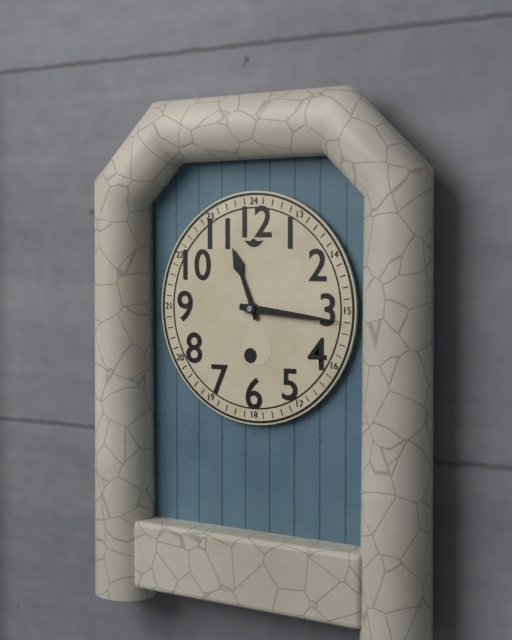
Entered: {"hour": 11, "minute": 16}
